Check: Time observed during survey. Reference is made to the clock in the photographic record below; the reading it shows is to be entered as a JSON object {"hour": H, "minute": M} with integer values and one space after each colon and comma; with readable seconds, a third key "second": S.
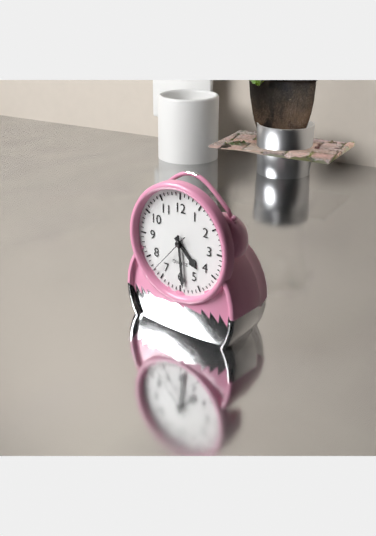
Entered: {"hour": 4, "minute": 29}
